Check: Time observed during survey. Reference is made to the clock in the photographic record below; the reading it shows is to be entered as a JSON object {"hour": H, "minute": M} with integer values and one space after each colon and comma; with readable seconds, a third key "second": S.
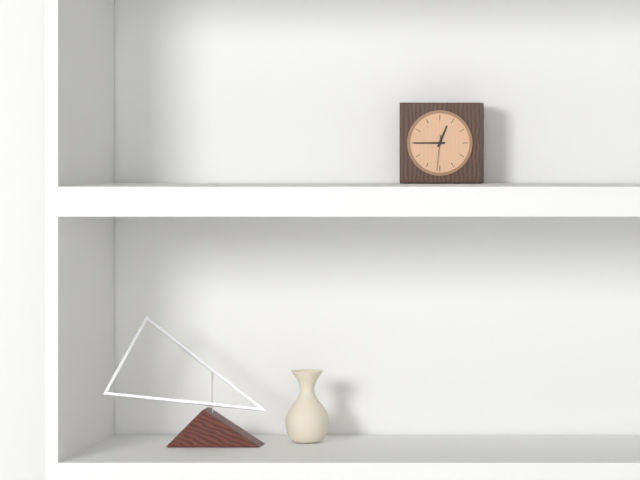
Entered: {"hour": 12, "minute": 45}
